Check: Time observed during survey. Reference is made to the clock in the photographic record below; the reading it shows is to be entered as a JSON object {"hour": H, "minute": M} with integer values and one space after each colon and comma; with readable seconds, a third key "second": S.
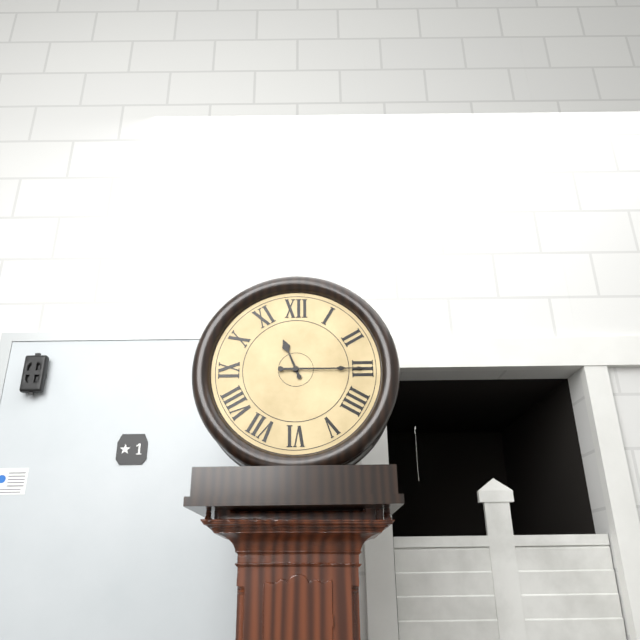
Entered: {"hour": 11, "minute": 15}
